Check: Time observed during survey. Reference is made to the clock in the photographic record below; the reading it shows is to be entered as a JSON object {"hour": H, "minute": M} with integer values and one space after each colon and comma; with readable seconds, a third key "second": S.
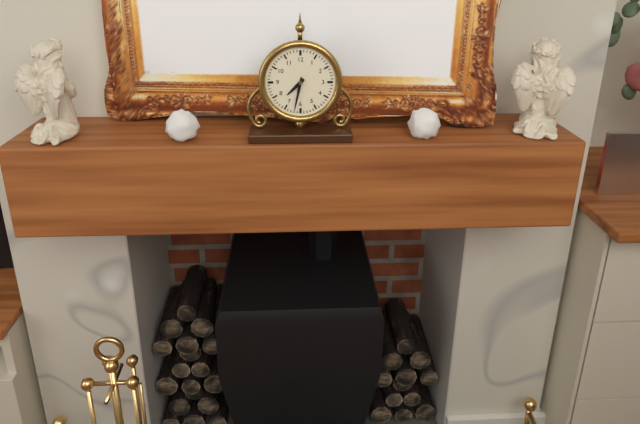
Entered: {"hour": 7, "minute": 32}
